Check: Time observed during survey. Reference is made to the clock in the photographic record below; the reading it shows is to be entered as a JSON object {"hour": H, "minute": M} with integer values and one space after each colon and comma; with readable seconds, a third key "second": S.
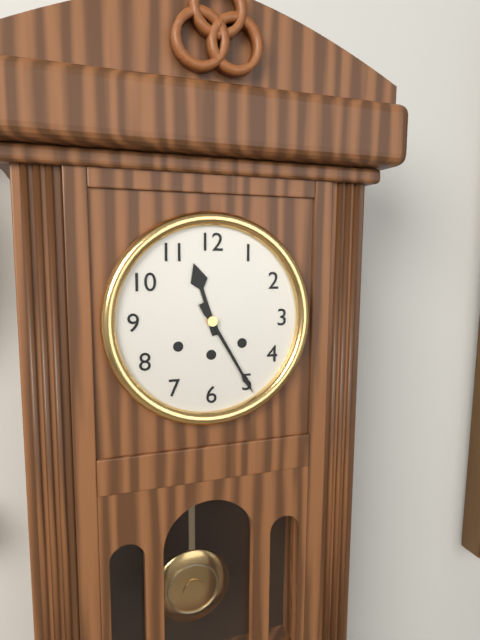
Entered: {"hour": 11, "minute": 25}
